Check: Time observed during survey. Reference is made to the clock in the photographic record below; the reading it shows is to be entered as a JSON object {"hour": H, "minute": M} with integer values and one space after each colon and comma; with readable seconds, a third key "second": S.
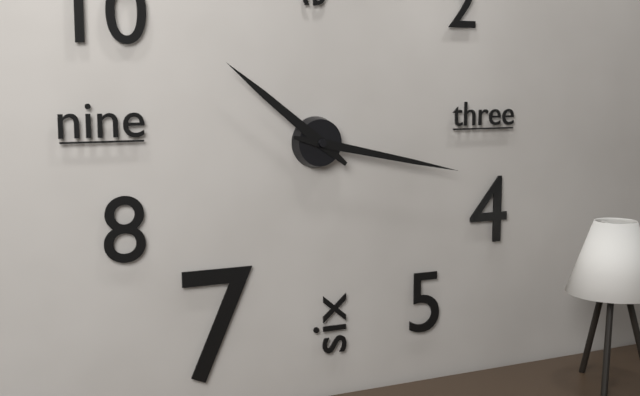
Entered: {"hour": 10, "minute": 17}
